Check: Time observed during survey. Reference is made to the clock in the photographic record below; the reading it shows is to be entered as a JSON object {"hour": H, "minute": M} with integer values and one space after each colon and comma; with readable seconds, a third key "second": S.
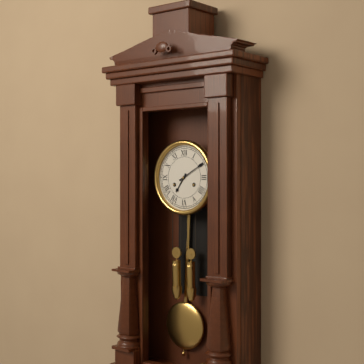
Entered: {"hour": 7, "minute": 10}
